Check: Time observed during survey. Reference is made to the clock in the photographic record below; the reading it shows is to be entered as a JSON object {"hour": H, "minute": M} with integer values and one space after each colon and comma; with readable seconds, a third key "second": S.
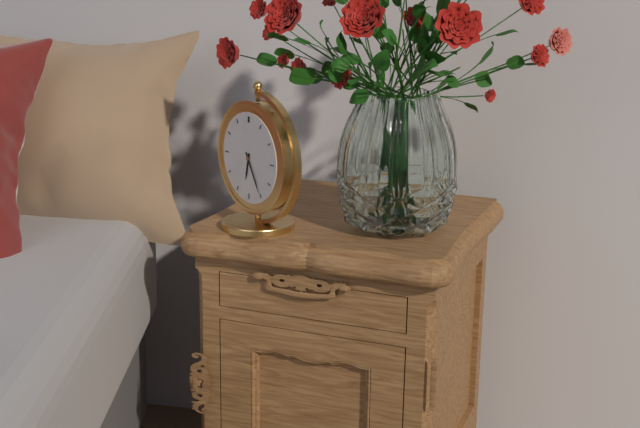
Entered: {"hour": 6, "minute": 25}
